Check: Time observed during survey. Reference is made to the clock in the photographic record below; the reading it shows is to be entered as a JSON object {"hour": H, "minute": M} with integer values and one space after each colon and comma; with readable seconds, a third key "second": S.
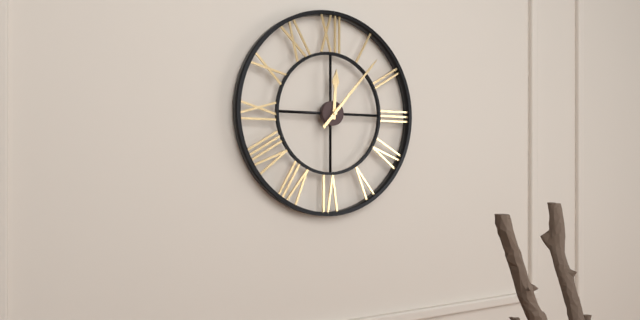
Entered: {"hour": 12, "minute": 7}
